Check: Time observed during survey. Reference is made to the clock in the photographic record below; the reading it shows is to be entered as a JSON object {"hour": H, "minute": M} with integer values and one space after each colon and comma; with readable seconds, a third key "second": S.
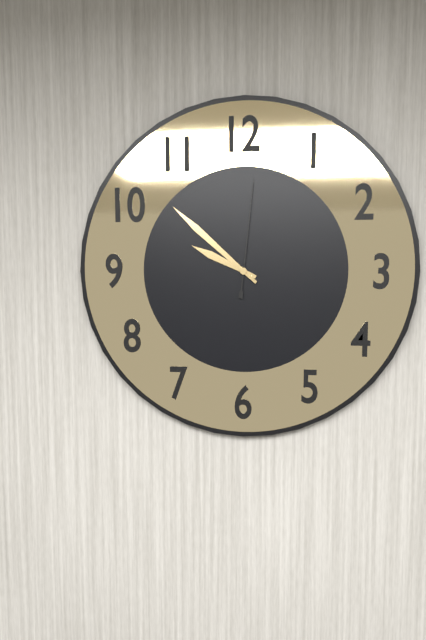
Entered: {"hour": 9, "minute": 52, "second": 1}
